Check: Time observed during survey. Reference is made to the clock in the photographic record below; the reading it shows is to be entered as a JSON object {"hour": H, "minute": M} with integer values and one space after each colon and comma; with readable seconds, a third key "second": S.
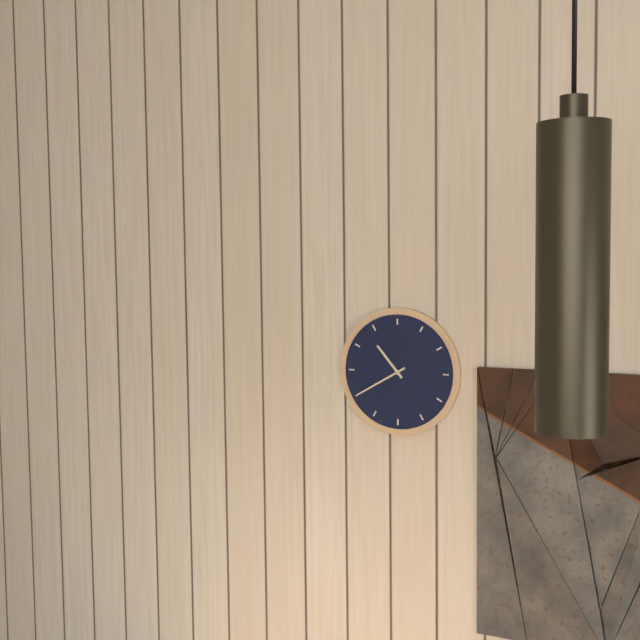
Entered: {"hour": 10, "minute": 40}
